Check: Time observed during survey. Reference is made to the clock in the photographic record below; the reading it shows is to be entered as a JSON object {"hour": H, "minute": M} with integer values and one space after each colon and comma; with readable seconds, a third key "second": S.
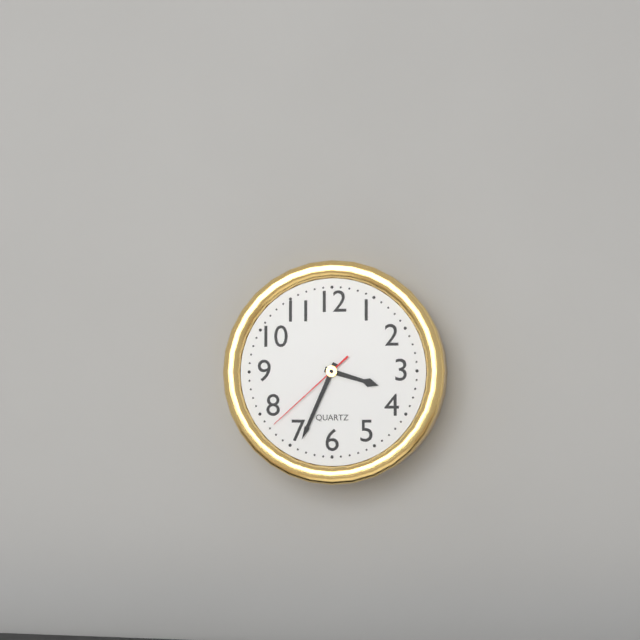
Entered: {"hour": 3, "minute": 34, "second": 38}
